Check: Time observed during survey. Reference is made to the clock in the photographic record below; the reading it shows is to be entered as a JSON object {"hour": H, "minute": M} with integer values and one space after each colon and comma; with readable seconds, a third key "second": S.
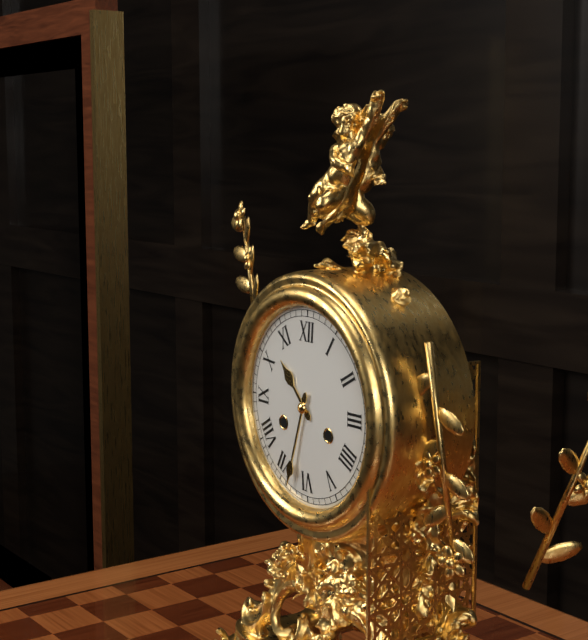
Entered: {"hour": 10, "minute": 33}
